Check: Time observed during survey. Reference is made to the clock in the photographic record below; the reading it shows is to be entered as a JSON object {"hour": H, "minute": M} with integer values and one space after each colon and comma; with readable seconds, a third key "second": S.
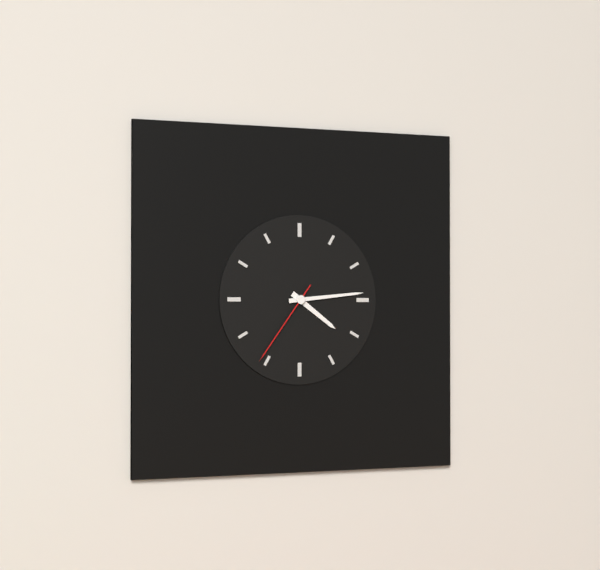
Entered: {"hour": 4, "minute": 14, "second": 36}
